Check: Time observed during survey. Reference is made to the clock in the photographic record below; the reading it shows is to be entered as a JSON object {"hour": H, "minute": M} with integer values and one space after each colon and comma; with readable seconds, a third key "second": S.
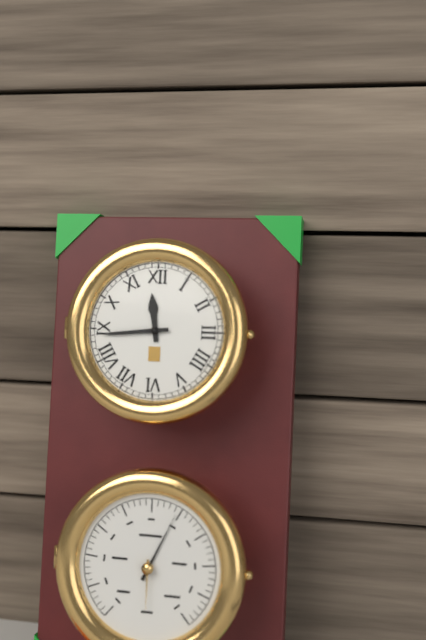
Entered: {"hour": 11, "minute": 44}
